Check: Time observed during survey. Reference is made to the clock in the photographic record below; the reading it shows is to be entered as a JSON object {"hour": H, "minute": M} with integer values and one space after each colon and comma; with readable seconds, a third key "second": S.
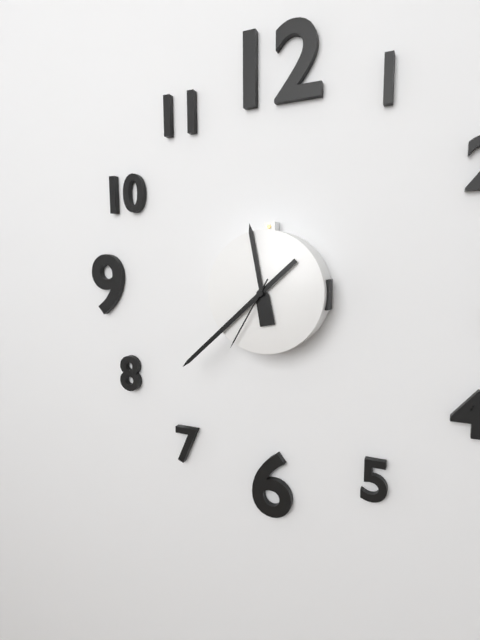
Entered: {"hour": 11, "minute": 38, "second": 35}
